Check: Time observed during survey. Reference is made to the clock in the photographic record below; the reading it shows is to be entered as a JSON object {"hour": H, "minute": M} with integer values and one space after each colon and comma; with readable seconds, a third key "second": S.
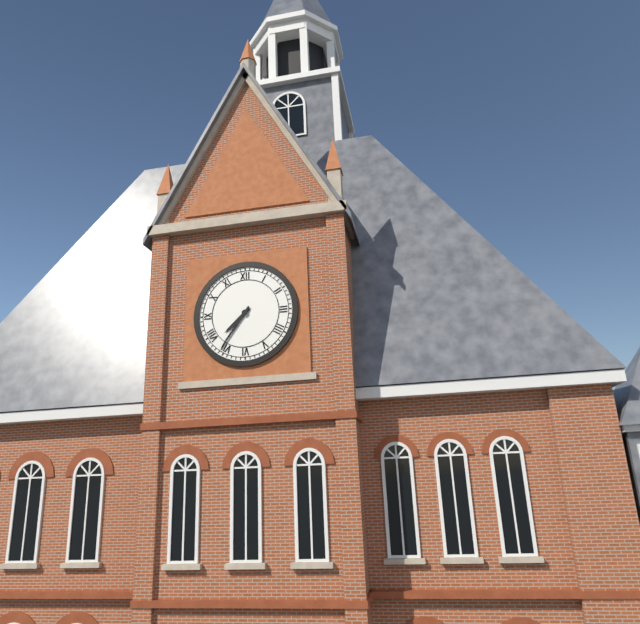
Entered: {"hour": 7, "minute": 36}
